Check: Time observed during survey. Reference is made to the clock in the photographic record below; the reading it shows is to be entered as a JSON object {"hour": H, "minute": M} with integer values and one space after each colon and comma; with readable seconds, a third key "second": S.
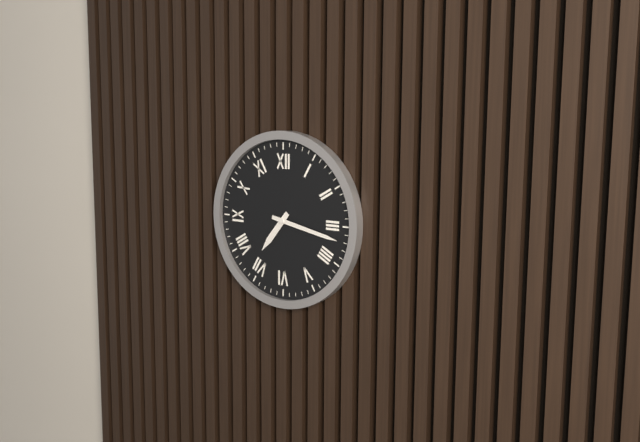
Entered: {"hour": 7, "minute": 17}
